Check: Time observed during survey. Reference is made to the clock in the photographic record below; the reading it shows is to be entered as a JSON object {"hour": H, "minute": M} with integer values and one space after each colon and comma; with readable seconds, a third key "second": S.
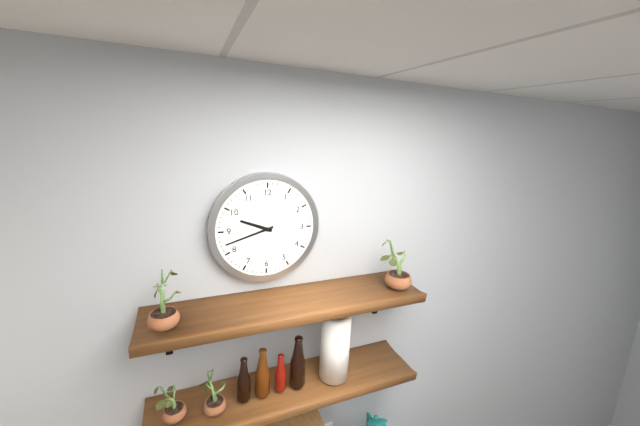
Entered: {"hour": 9, "minute": 42}
